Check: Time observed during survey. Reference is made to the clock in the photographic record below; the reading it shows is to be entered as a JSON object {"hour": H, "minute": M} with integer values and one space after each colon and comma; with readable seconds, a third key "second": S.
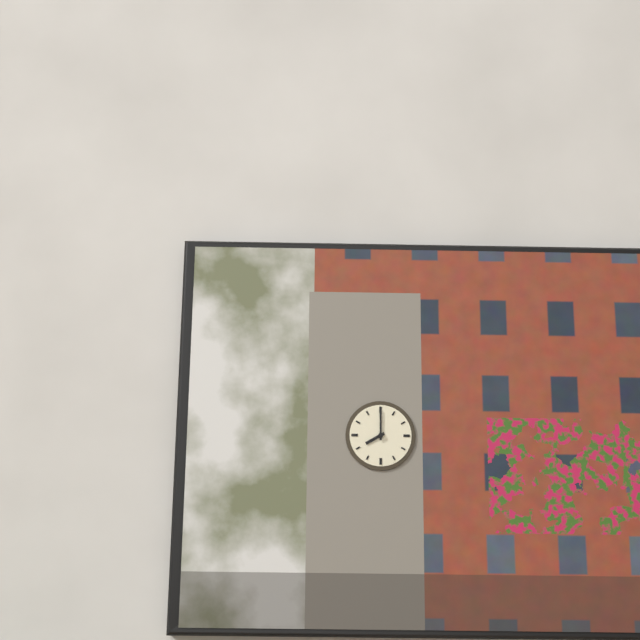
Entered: {"hour": 8, "minute": 0}
